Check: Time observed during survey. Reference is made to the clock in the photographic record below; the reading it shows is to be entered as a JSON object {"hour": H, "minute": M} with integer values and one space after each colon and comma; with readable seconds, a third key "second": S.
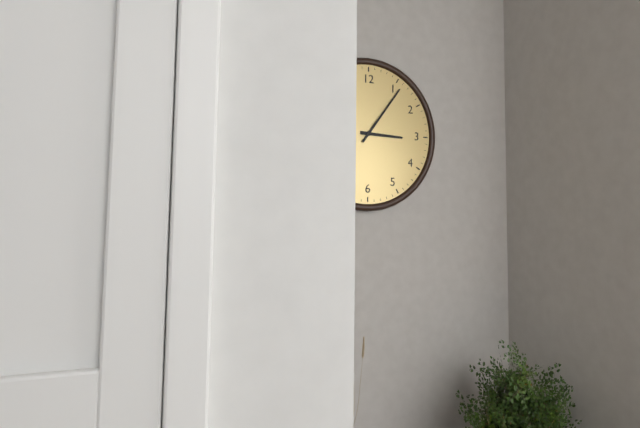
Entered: {"hour": 3, "minute": 6}
